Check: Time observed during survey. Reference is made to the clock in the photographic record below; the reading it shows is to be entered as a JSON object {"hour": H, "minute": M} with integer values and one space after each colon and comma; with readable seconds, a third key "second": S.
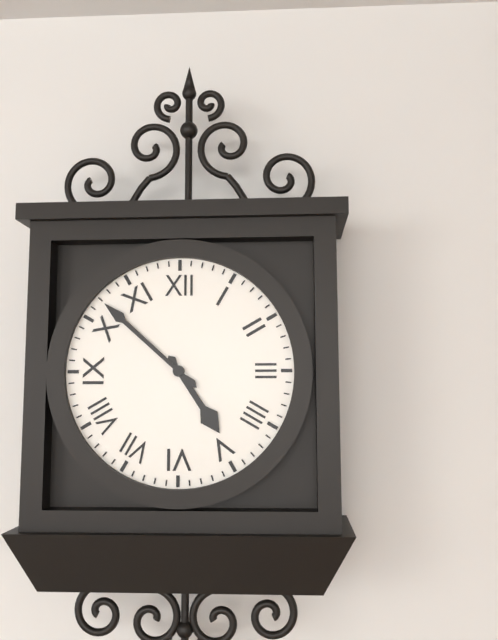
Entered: {"hour": 4, "minute": 52}
